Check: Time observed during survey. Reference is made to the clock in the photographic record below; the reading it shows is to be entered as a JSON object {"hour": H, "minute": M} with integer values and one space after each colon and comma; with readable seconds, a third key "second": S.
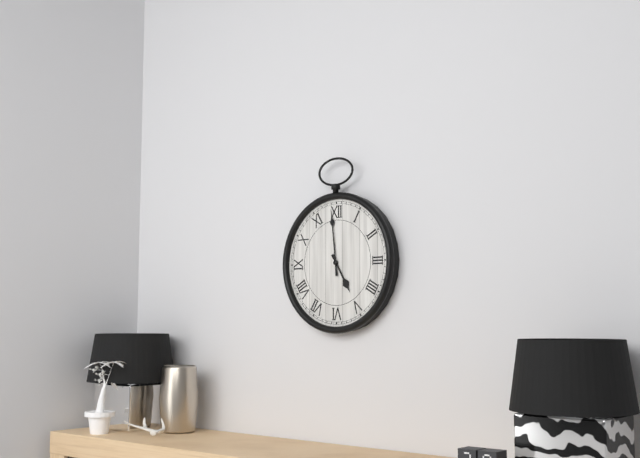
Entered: {"hour": 4, "minute": 59}
